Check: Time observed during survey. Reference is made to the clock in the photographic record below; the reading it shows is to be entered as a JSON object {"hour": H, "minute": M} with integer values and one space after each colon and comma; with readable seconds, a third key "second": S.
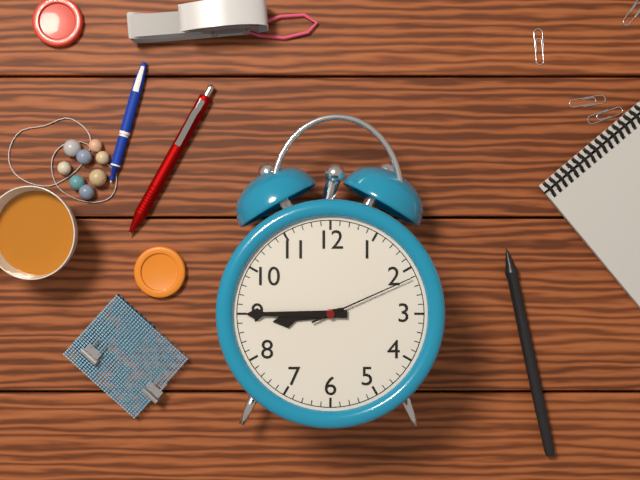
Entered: {"hour": 8, "minute": 45, "second": 11}
